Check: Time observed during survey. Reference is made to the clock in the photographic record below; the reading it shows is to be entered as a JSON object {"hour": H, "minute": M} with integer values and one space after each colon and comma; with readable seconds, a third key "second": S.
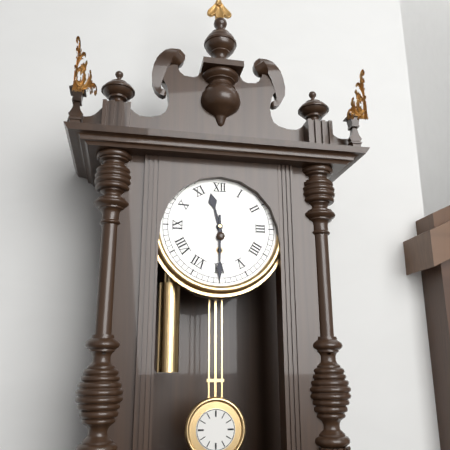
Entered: {"hour": 11, "minute": 30}
